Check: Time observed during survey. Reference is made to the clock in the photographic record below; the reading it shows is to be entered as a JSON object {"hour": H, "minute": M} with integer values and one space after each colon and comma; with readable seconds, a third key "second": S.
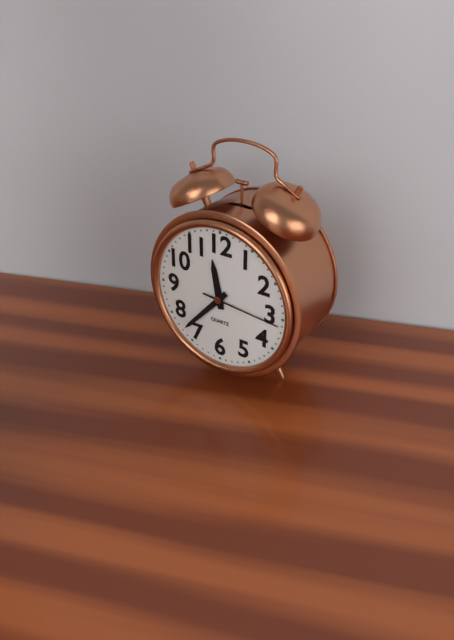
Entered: {"hour": 11, "minute": 37, "second": 16}
